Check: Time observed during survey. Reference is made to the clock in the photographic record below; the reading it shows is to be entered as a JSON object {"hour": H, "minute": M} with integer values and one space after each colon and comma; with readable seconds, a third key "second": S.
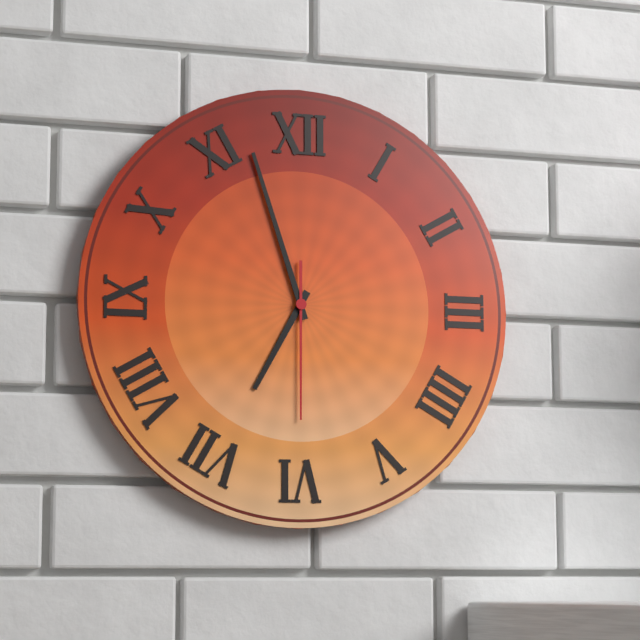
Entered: {"hour": 6, "minute": 57, "second": 30}
